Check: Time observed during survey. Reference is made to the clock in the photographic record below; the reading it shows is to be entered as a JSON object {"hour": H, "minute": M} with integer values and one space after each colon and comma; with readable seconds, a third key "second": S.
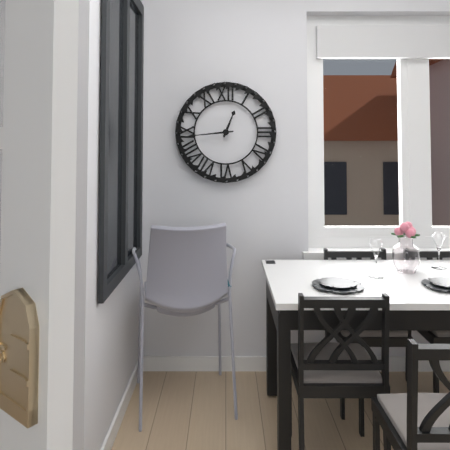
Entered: {"hour": 12, "minute": 44}
